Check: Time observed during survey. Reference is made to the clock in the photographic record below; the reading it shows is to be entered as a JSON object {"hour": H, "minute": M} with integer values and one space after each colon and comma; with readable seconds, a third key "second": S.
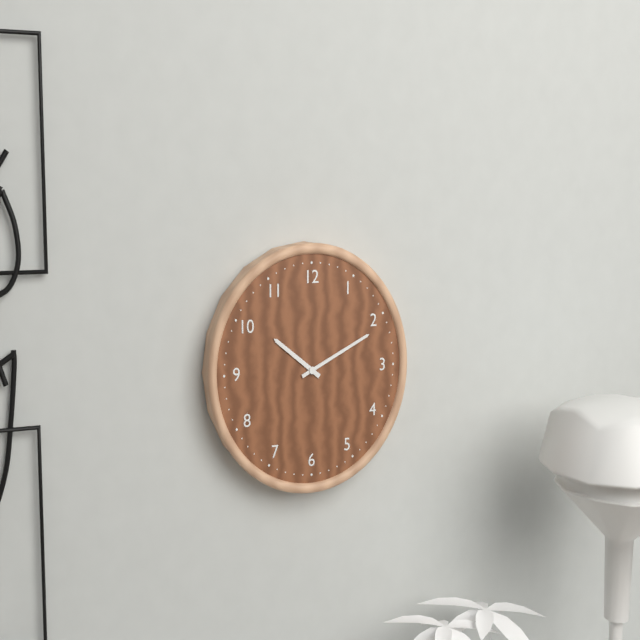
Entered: {"hour": 10, "minute": 11}
